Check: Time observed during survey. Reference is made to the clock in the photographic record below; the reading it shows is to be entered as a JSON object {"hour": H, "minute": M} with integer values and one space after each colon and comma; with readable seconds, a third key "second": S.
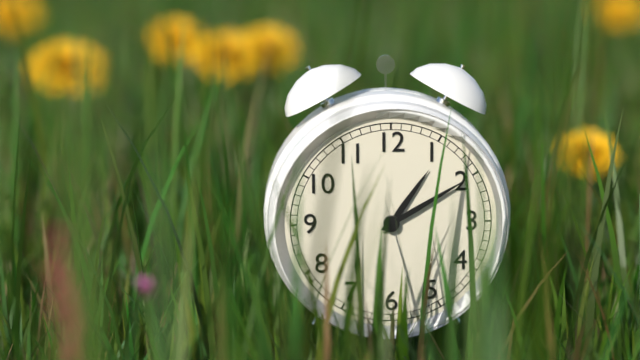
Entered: {"hour": 1, "minute": 10}
